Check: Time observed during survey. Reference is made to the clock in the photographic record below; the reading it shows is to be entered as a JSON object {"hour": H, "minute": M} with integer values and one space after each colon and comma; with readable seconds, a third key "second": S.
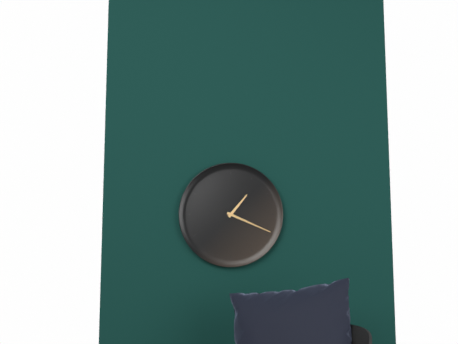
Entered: {"hour": 1, "minute": 19}
